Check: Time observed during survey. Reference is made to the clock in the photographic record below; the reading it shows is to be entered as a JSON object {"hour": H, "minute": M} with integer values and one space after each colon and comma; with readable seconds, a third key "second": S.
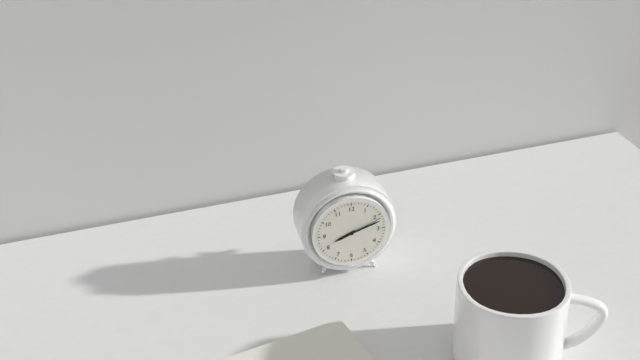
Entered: {"hour": 8, "minute": 12}
